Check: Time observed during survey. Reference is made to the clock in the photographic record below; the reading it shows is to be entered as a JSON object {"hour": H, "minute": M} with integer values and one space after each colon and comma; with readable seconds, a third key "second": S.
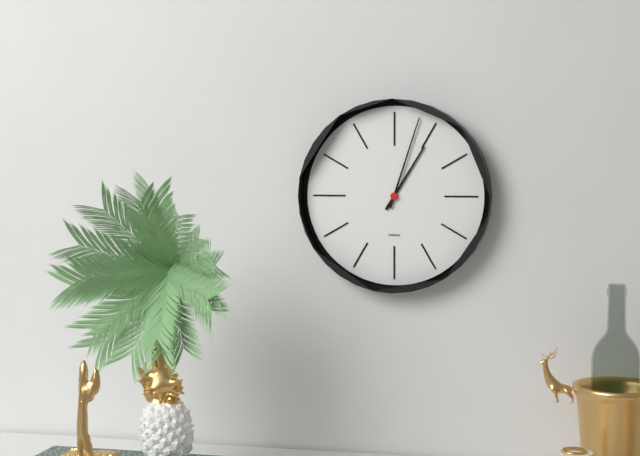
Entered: {"hour": 1, "minute": 3}
